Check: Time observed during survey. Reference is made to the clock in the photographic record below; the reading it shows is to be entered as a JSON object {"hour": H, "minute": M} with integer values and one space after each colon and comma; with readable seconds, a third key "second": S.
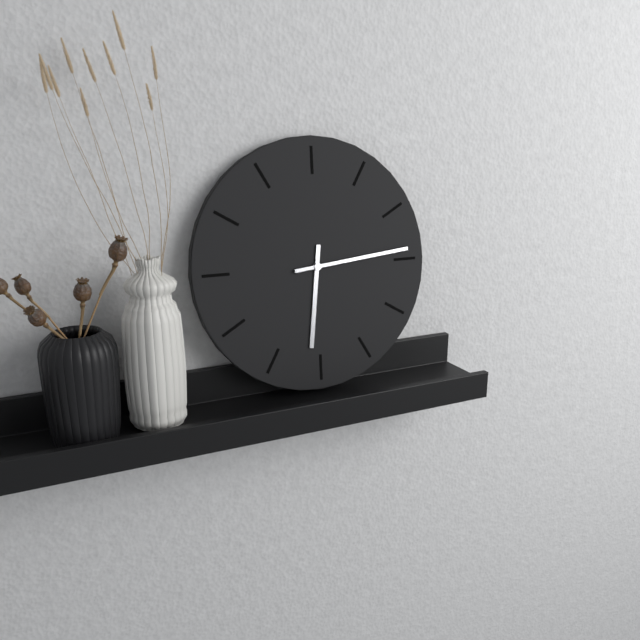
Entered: {"hour": 6, "minute": 14}
